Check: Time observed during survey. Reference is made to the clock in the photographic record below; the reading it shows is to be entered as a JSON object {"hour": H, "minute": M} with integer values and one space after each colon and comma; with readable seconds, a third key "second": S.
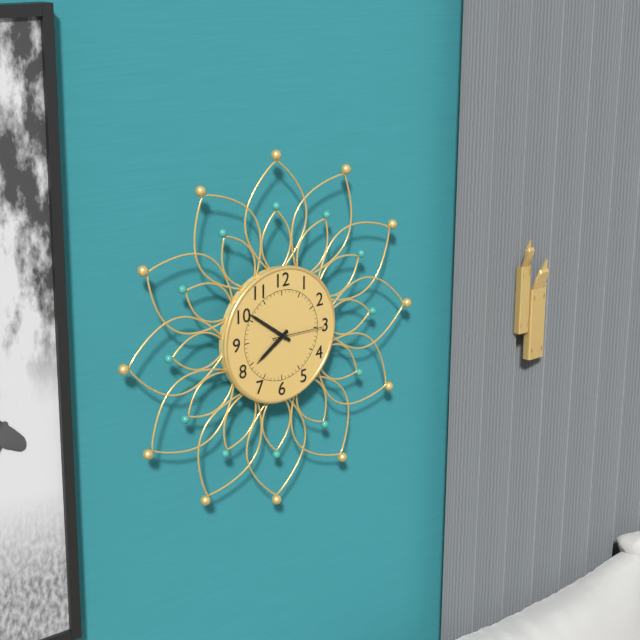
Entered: {"hour": 7, "minute": 51, "second": 15}
